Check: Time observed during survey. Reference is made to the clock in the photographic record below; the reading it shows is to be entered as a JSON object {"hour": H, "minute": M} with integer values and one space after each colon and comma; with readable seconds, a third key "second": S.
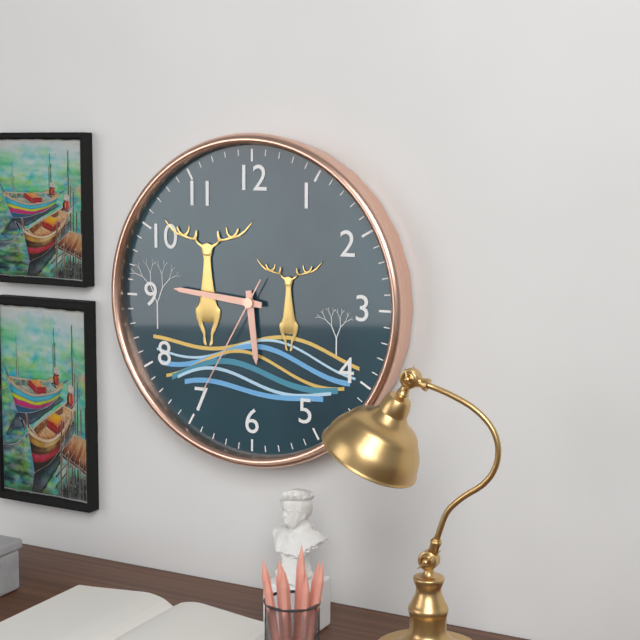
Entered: {"hour": 5, "minute": 46, "second": 35}
